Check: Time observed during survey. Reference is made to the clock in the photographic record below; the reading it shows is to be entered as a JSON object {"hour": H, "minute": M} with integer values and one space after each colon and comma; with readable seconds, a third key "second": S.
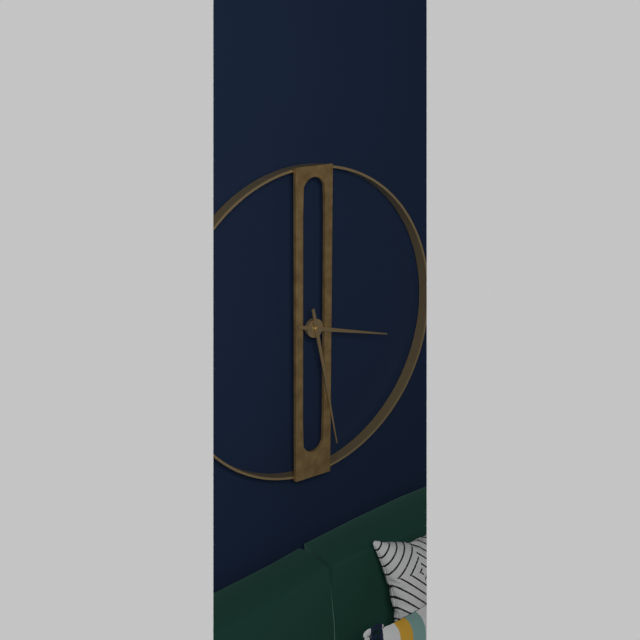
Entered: {"hour": 3, "minute": 28}
